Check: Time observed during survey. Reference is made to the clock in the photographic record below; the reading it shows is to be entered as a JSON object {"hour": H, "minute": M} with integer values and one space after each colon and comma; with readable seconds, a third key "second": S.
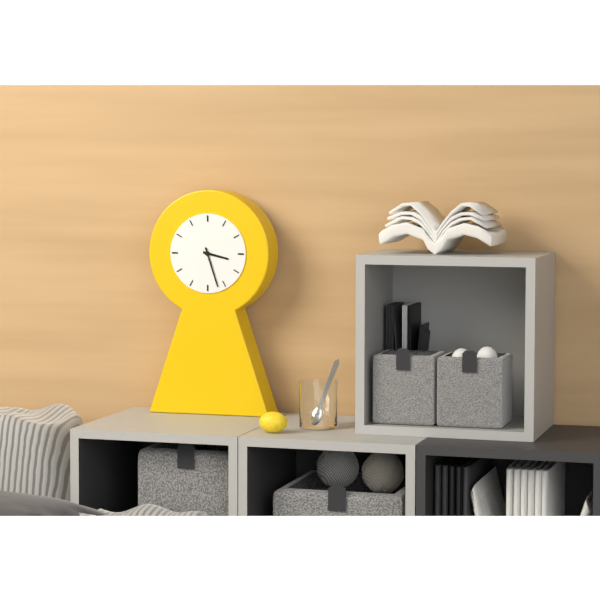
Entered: {"hour": 3, "minute": 27}
